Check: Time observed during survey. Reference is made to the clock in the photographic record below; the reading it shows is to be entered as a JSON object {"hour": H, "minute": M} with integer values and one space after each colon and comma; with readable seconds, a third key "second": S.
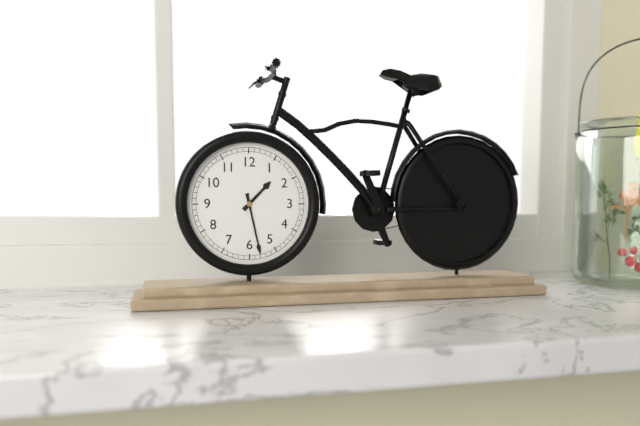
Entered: {"hour": 1, "minute": 28}
